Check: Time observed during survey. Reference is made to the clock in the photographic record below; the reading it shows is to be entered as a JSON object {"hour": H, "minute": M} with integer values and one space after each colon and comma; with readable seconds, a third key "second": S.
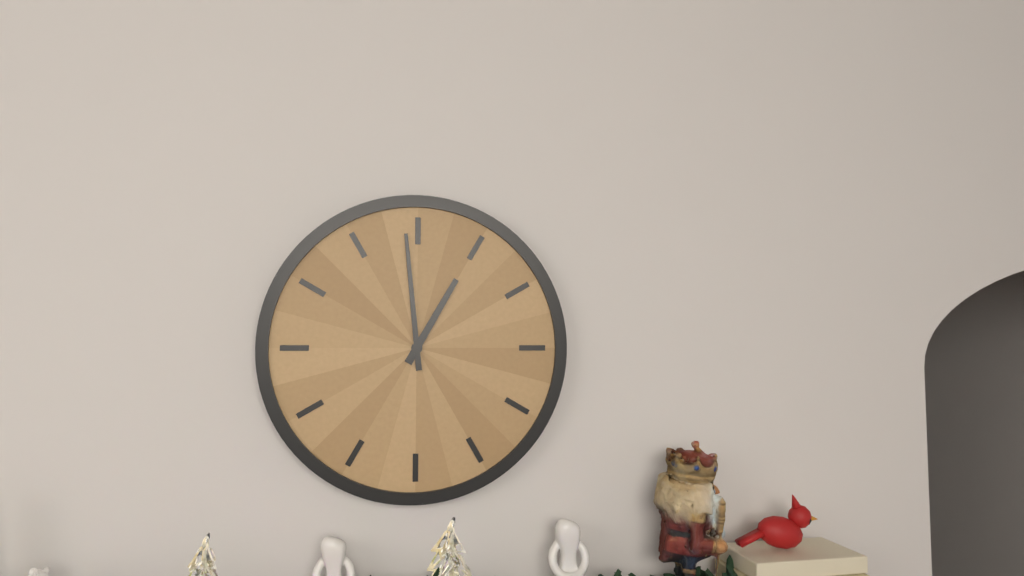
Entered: {"hour": 12, "minute": 59}
